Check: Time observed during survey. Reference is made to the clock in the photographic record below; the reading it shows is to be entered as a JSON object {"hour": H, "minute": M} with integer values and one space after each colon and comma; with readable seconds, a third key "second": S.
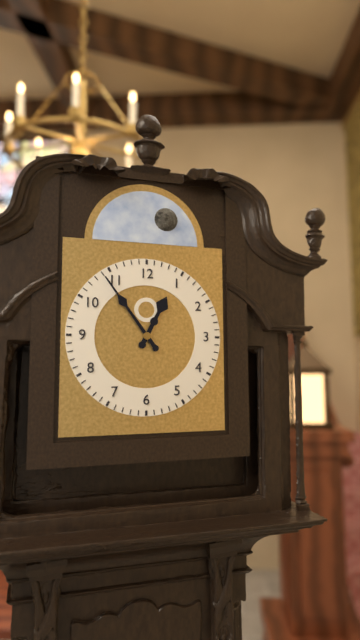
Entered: {"hour": 12, "minute": 54}
